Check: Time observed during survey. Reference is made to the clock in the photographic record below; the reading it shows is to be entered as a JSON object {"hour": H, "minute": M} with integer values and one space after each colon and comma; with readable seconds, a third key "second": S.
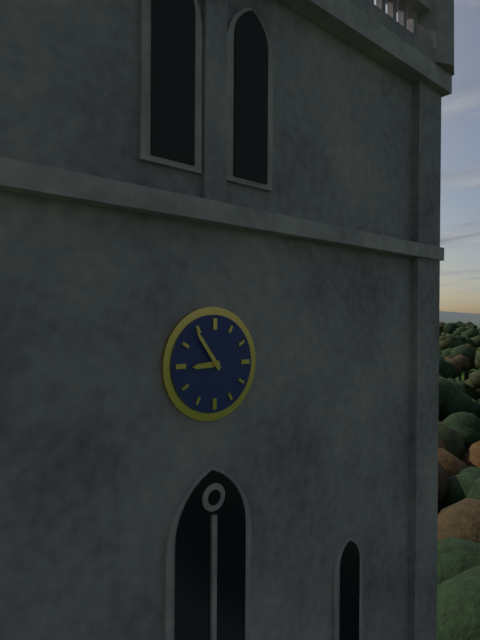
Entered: {"hour": 8, "minute": 54}
